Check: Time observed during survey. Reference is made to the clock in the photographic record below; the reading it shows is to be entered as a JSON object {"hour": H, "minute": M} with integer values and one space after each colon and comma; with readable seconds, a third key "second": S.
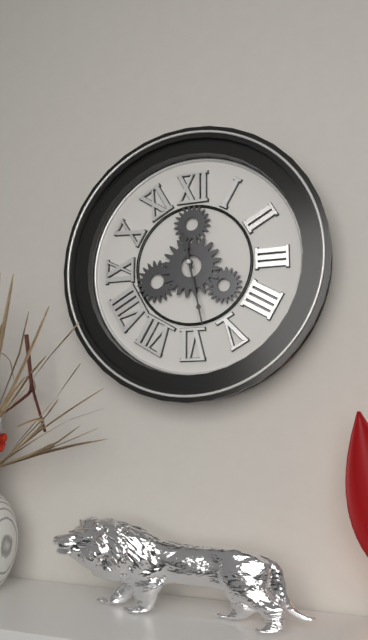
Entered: {"hour": 11, "minute": 28}
